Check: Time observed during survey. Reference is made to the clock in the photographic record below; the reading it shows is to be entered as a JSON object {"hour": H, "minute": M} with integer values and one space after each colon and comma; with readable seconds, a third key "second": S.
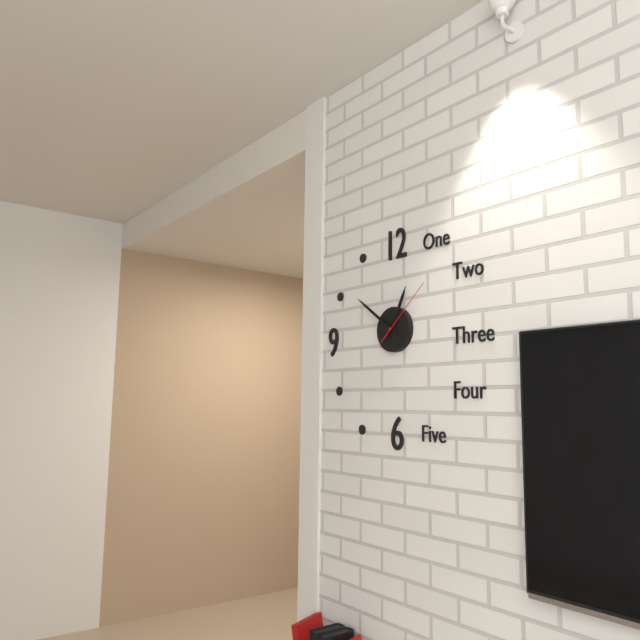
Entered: {"hour": 12, "minute": 51, "second": 8}
